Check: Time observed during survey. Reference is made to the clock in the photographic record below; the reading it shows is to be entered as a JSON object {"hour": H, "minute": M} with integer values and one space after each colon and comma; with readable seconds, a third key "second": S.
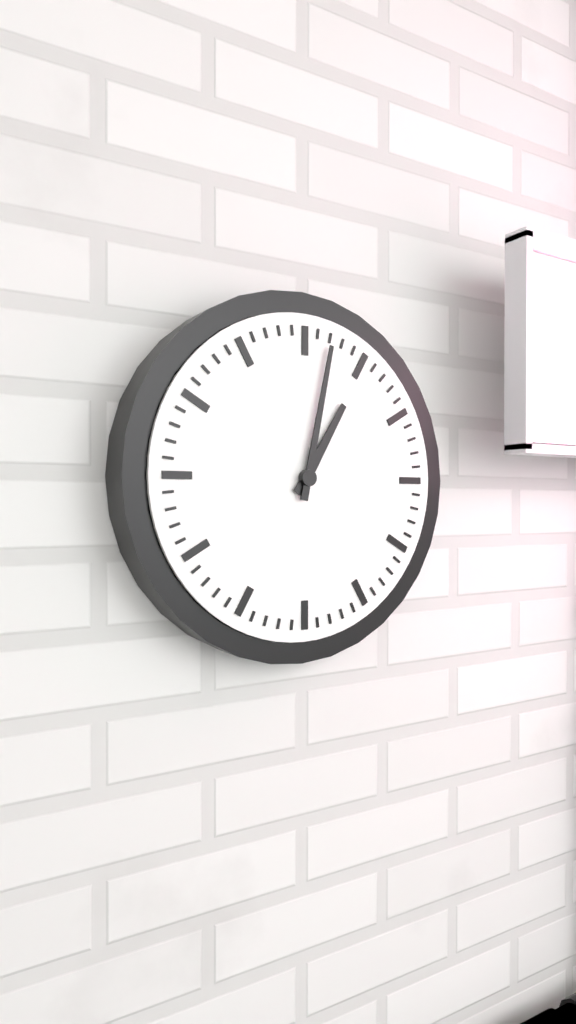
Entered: {"hour": 1, "minute": 2}
